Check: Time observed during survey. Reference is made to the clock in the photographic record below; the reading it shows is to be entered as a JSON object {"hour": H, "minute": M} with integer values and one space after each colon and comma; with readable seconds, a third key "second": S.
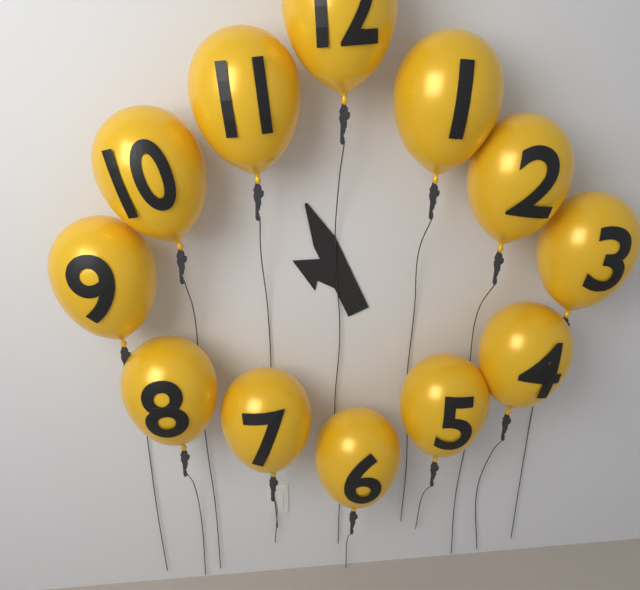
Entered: {"hour": 9, "minute": 56}
